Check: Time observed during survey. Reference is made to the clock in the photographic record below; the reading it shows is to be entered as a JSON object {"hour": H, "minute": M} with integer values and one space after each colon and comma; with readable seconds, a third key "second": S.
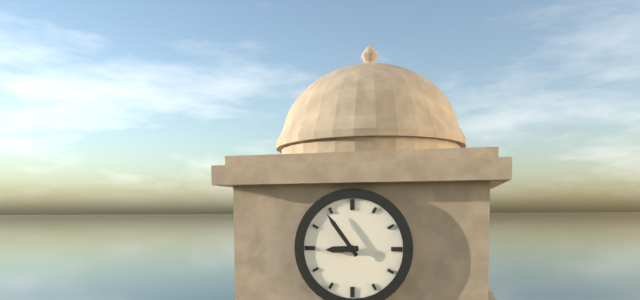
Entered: {"hour": 8, "minute": 54}
